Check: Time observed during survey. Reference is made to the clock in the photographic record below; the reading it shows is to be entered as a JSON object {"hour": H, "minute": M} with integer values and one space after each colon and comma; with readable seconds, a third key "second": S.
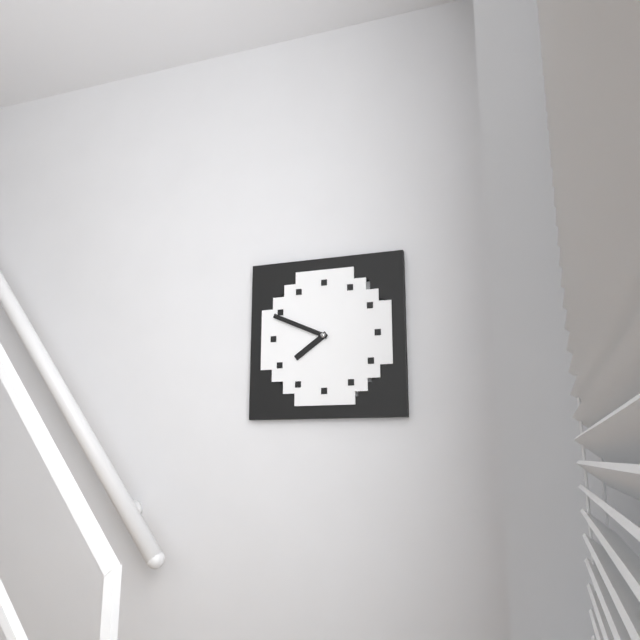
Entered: {"hour": 7, "minute": 49}
